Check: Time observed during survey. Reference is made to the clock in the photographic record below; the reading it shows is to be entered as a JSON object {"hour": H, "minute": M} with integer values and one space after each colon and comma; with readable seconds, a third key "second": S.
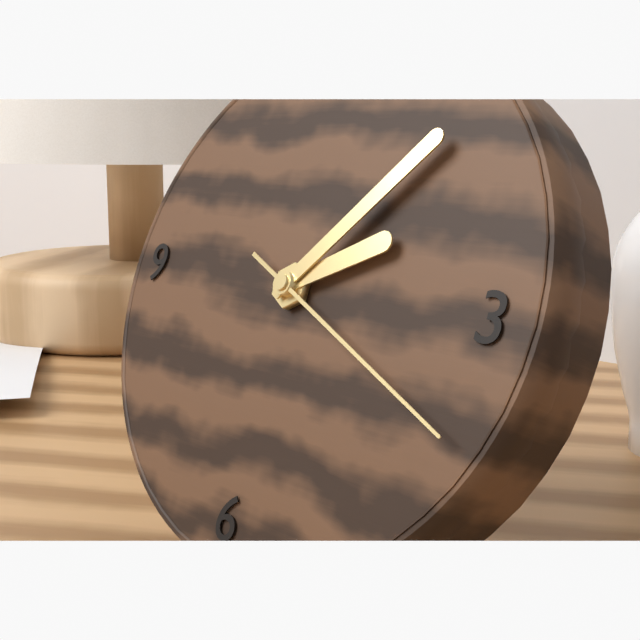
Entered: {"hour": 2, "minute": 7, "second": 19}
